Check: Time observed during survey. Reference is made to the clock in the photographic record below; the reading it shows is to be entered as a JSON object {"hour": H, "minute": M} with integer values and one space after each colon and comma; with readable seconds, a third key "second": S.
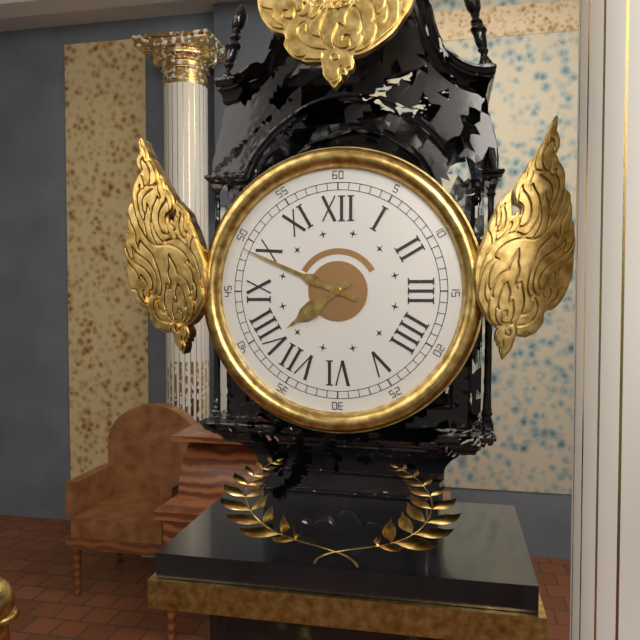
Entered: {"hour": 7, "minute": 49}
